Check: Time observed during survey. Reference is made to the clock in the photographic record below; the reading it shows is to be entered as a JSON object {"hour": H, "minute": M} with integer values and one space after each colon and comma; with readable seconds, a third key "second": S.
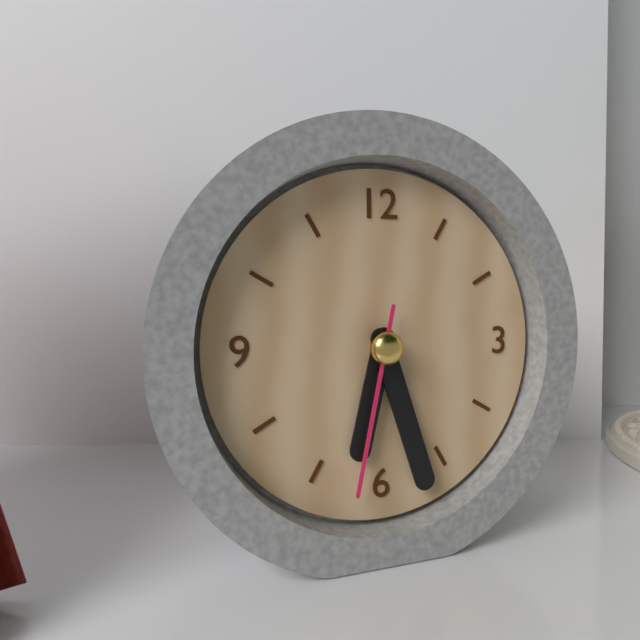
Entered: {"hour": 6, "minute": 27, "second": 32}
